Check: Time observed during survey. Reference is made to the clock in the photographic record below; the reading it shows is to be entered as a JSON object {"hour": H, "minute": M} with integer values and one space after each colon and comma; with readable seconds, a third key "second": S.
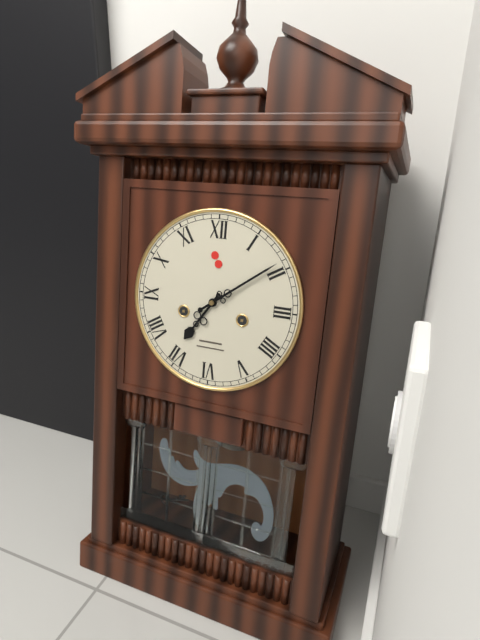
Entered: {"hour": 7, "minute": 9}
